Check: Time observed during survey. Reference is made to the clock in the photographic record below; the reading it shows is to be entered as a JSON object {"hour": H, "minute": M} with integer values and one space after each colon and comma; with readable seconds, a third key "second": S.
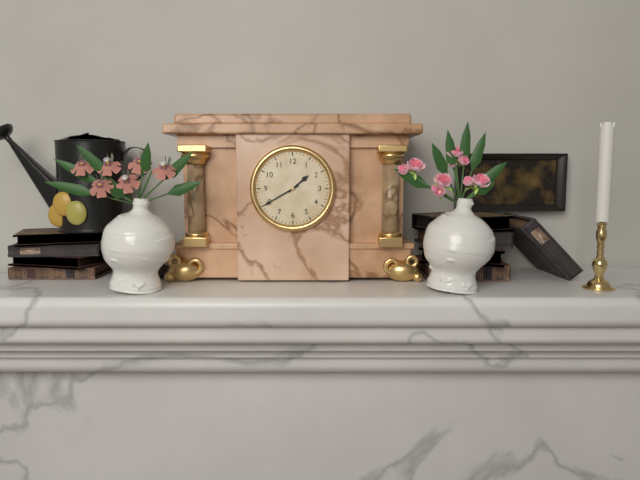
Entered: {"hour": 1, "minute": 40}
